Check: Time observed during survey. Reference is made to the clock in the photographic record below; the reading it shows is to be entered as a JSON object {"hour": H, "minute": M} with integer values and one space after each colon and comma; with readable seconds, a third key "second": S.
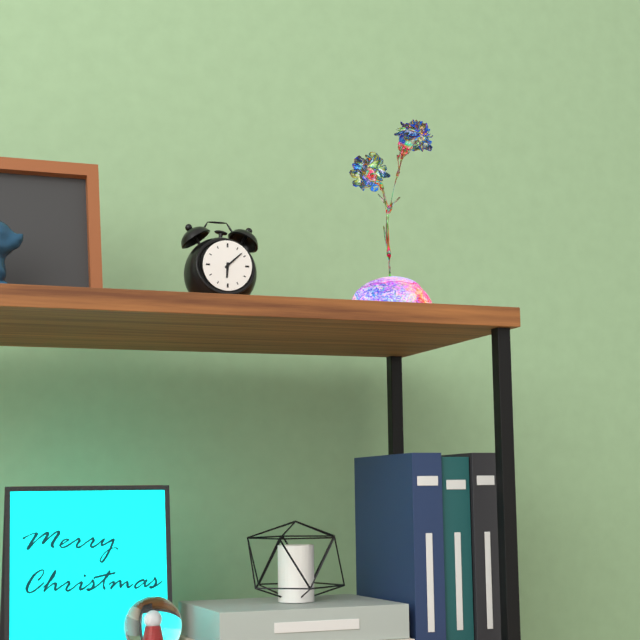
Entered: {"hour": 6, "minute": 8}
